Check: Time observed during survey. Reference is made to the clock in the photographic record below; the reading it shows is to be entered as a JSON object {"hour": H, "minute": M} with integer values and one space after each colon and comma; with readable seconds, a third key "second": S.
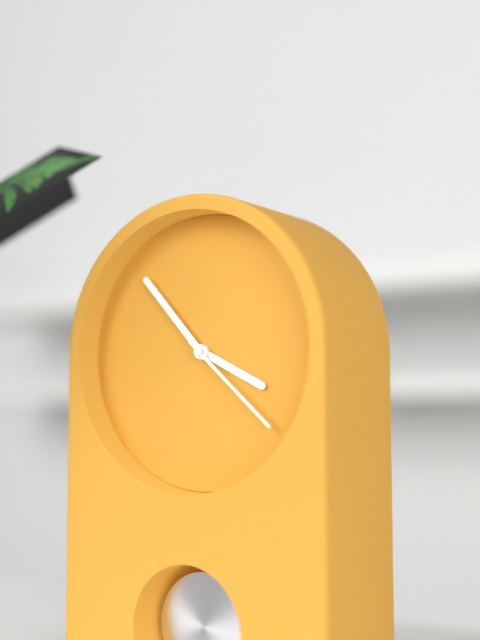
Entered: {"hour": 3, "minute": 53, "second": 22}
